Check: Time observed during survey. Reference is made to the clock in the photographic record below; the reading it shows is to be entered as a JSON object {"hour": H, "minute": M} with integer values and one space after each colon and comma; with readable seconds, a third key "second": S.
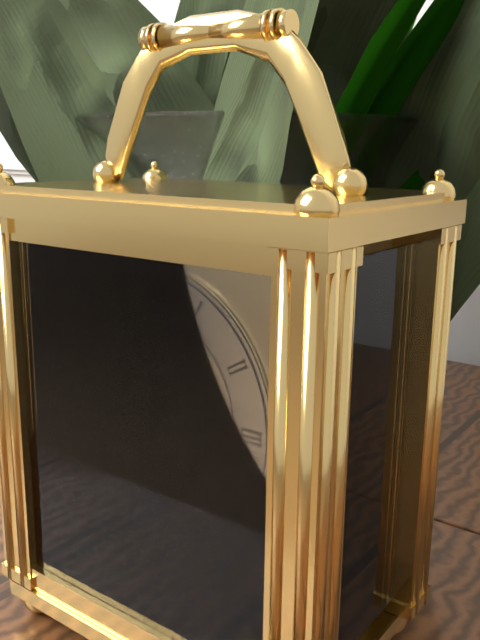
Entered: {"hour": 3, "minute": 2}
